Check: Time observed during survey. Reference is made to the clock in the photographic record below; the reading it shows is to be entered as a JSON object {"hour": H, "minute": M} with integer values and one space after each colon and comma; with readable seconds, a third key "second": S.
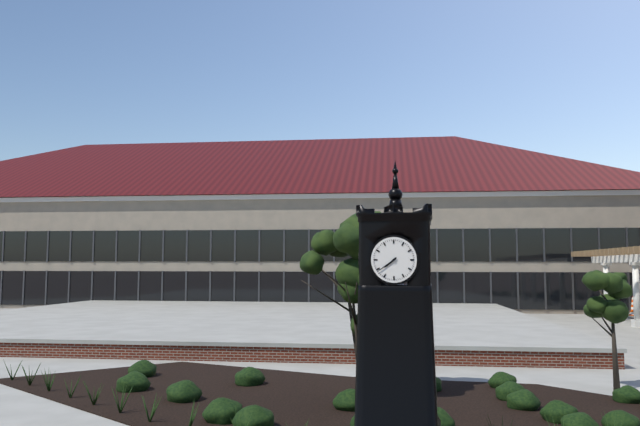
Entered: {"hour": 7, "minute": 39}
